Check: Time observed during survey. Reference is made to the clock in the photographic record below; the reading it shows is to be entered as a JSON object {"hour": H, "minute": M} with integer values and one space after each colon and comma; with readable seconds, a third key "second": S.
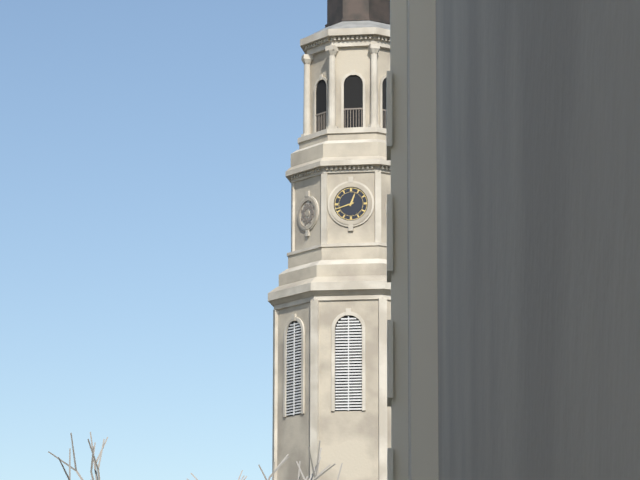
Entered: {"hour": 12, "minute": 42}
